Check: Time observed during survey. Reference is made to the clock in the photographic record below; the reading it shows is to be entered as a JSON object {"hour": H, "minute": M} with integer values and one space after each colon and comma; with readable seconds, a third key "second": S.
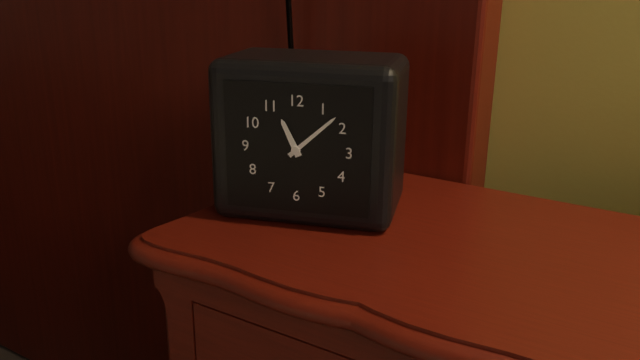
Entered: {"hour": 11, "minute": 8}
